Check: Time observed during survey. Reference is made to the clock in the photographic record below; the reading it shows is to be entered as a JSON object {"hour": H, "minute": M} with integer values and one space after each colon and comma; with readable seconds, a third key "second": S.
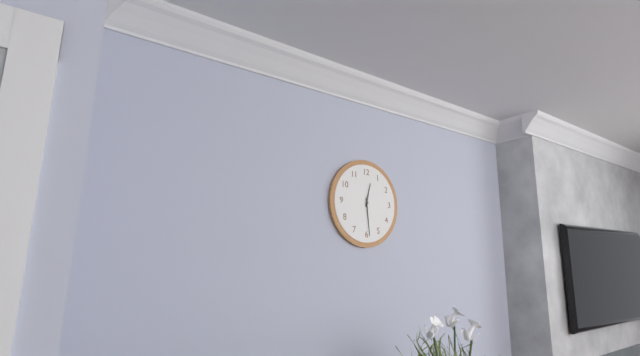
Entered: {"hour": 12, "minute": 29}
